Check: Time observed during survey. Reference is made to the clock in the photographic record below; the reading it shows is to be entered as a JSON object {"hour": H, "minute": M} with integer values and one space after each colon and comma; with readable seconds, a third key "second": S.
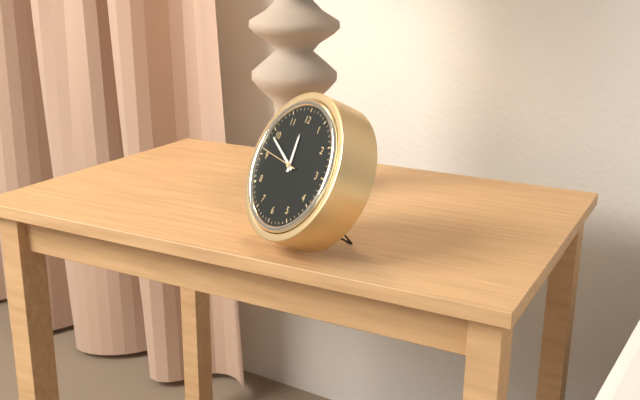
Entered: {"hour": 11, "minute": 49}
